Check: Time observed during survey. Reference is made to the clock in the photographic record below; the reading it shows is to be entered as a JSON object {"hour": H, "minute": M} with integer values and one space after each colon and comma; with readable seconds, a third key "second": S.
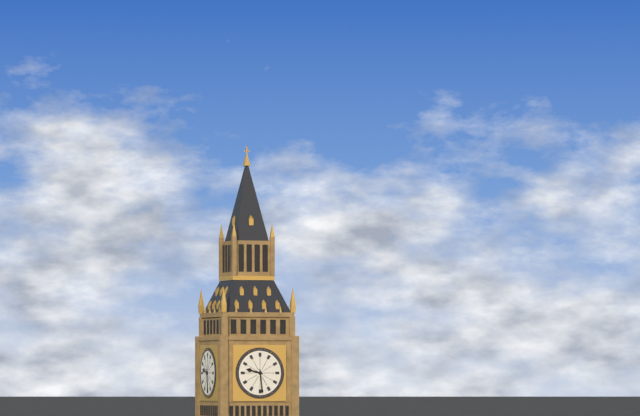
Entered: {"hour": 9, "minute": 29}
